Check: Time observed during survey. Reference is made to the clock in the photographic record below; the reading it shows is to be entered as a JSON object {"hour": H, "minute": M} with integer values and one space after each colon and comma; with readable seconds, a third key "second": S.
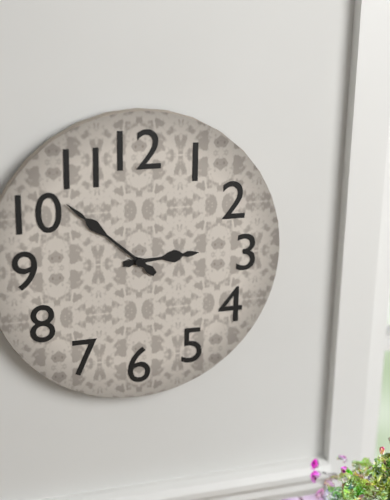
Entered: {"hour": 2, "minute": 52}
